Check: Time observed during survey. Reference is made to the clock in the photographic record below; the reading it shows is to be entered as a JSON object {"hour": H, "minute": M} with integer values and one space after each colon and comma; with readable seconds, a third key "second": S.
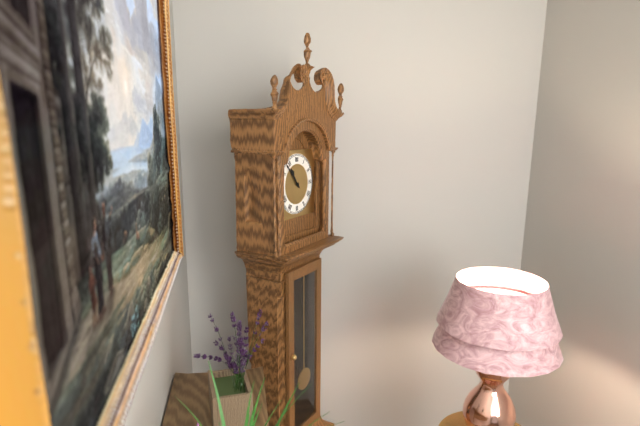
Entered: {"hour": 10, "minute": 53}
